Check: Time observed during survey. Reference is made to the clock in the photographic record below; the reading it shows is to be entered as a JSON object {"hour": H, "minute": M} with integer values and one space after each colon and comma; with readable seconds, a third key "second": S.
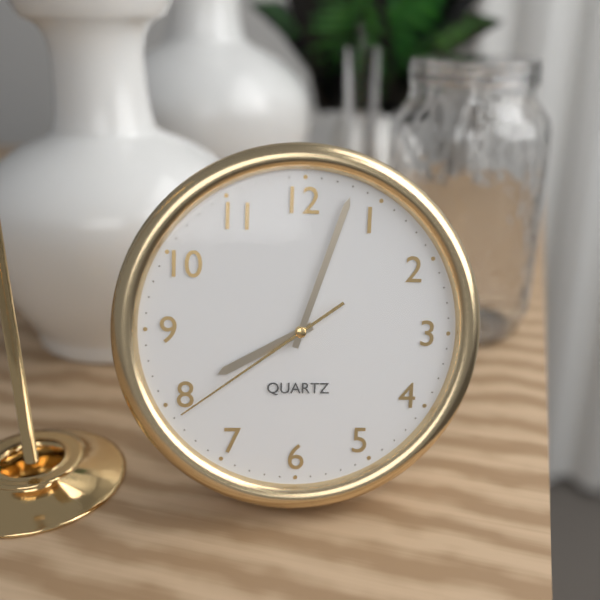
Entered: {"hour": 8, "minute": 3, "second": 39}
